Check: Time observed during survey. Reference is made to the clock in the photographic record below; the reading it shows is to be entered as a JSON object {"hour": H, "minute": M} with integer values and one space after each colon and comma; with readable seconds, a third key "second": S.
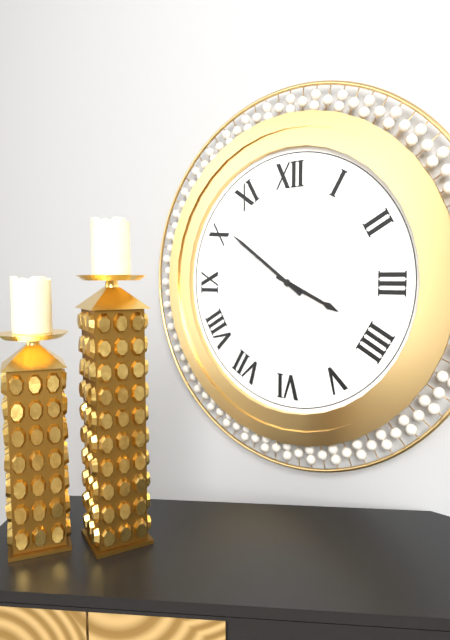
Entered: {"hour": 3, "minute": 51}
